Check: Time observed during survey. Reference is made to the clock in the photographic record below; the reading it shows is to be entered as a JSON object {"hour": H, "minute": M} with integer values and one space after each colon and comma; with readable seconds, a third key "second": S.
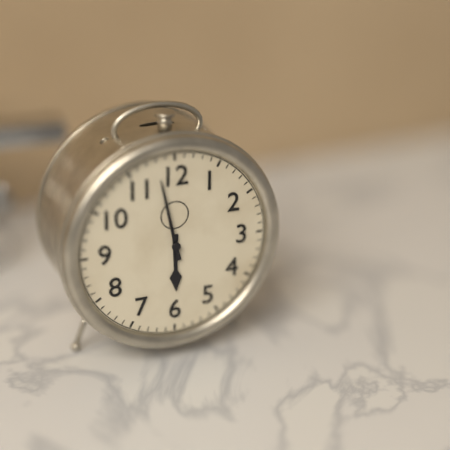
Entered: {"hour": 5, "minute": 58}
